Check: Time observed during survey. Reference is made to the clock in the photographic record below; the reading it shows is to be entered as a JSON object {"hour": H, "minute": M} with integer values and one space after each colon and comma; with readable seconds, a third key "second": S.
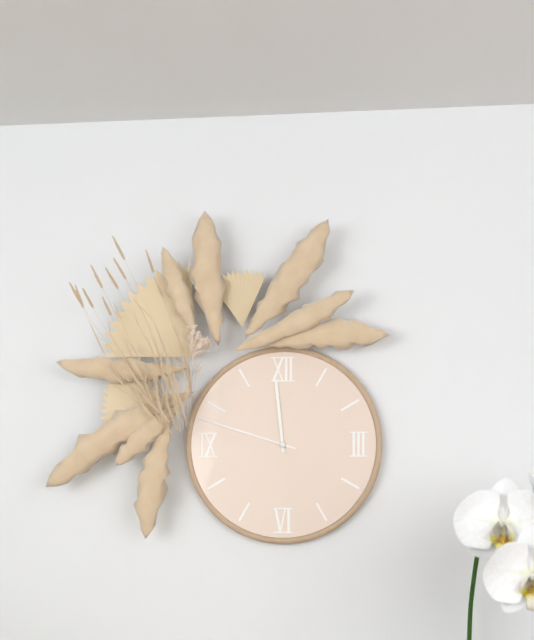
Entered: {"hour": 11, "minute": 48}
